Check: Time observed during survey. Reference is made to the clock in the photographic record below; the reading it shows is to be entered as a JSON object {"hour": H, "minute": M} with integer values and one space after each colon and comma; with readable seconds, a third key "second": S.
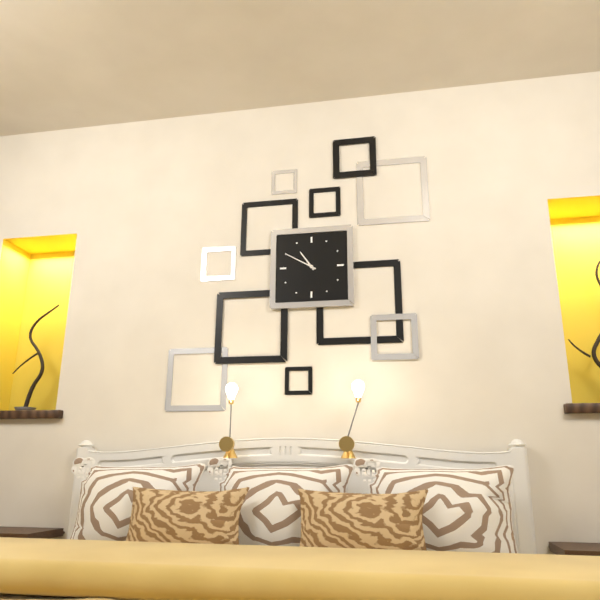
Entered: {"hour": 10, "minute": 50}
